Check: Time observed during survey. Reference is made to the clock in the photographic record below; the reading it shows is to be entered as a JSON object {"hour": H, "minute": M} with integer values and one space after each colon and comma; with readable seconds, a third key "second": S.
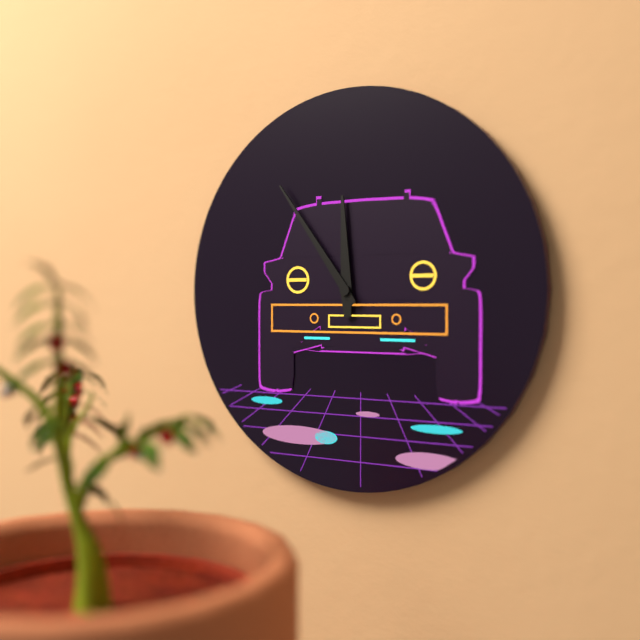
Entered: {"hour": 11, "minute": 54}
